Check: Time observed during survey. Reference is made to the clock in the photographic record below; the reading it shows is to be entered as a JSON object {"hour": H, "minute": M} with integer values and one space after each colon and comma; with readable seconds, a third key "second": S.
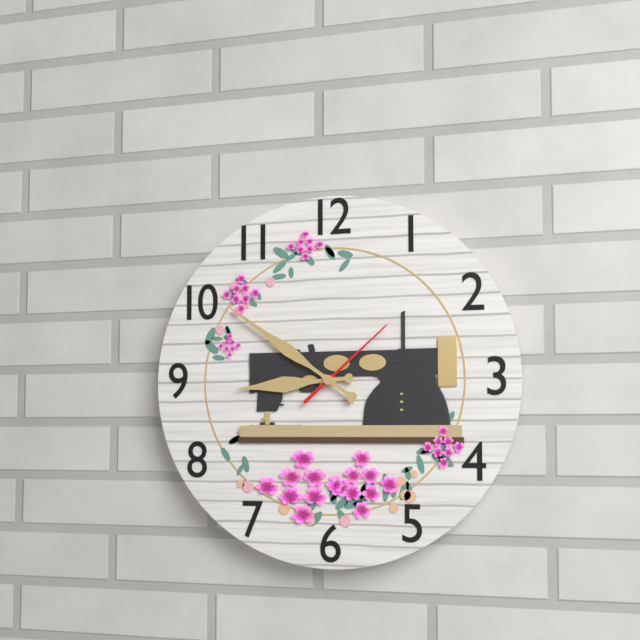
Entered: {"hour": 8, "minute": 51, "second": 8}
